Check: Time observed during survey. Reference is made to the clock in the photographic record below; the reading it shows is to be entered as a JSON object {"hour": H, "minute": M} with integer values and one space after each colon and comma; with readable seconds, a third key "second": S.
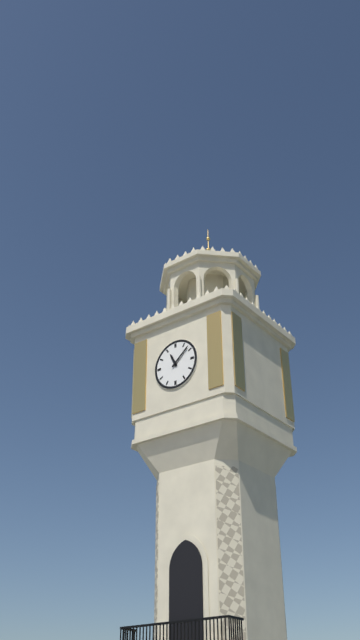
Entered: {"hour": 11, "minute": 8}
